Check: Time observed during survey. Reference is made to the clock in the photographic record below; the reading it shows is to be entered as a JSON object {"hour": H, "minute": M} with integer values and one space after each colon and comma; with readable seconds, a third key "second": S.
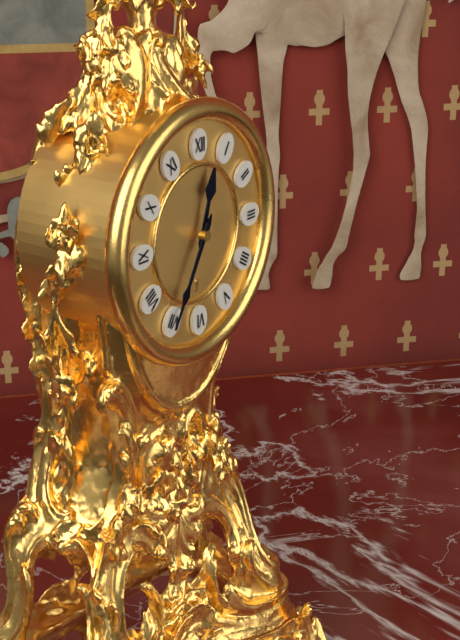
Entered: {"hour": 12, "minute": 35}
